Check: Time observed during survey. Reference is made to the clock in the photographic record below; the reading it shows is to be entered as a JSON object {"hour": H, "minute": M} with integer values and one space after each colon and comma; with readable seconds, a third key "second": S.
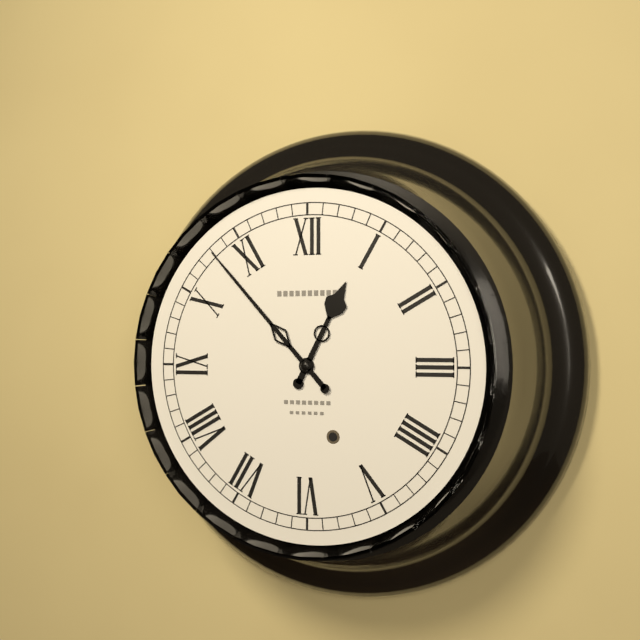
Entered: {"hour": 12, "minute": 53}
